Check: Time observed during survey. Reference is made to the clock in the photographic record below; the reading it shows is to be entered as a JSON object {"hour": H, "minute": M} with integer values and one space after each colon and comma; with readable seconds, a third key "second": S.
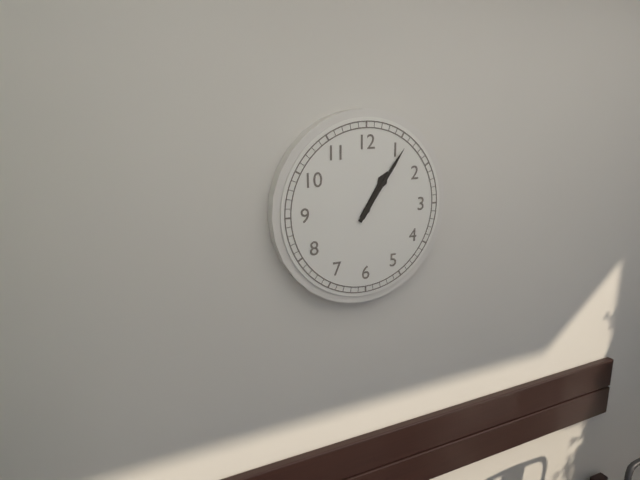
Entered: {"hour": 1, "minute": 6}
